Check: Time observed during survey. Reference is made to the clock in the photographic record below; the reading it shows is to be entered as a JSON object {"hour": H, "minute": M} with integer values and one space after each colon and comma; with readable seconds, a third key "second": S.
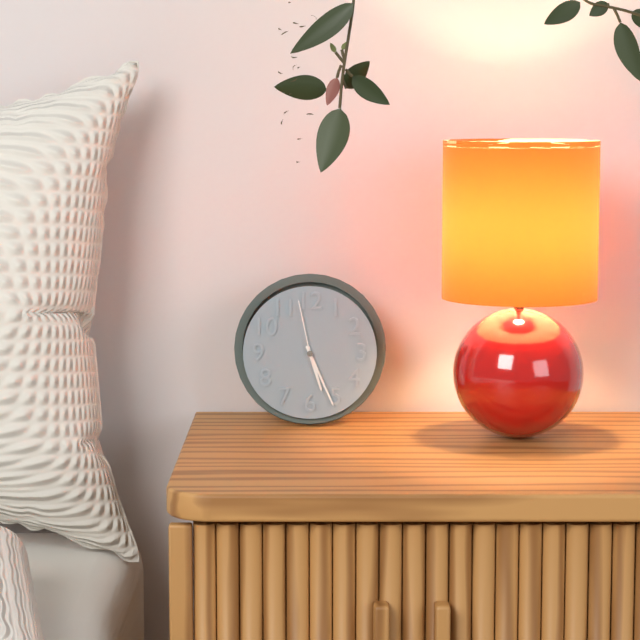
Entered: {"hour": 5, "minute": 26, "second": 58}
